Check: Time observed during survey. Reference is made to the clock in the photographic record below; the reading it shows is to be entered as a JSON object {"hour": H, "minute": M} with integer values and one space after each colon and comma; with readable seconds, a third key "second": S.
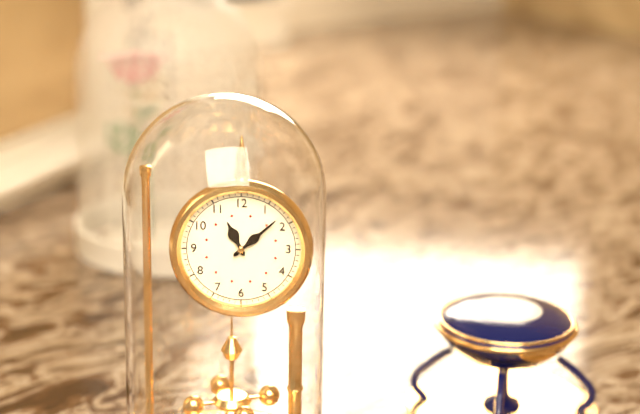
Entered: {"hour": 11, "minute": 8}
